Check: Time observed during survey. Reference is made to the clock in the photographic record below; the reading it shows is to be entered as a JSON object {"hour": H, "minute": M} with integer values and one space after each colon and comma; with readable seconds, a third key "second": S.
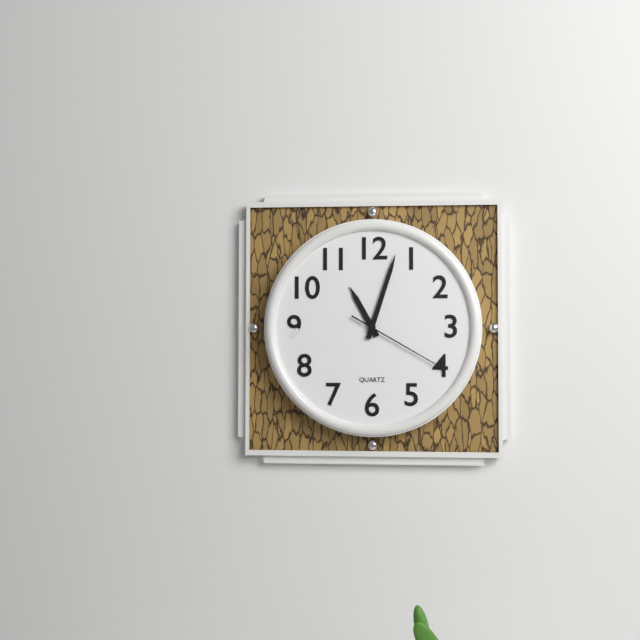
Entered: {"hour": 11, "minute": 3, "second": 20}
